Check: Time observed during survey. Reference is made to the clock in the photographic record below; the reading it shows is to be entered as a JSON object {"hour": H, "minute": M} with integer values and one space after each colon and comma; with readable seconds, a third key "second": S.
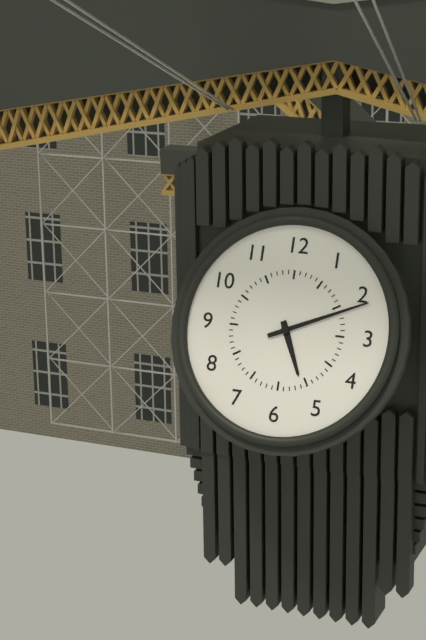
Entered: {"hour": 5, "minute": 11}
